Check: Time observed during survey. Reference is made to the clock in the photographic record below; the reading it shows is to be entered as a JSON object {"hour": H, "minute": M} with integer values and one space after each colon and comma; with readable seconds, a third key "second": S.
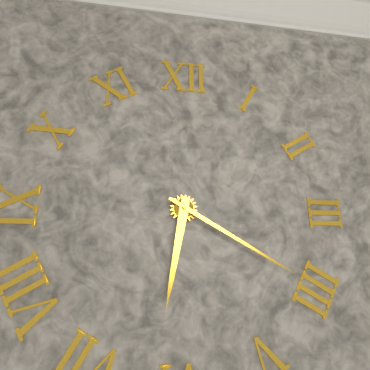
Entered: {"hour": 6, "minute": 20}
